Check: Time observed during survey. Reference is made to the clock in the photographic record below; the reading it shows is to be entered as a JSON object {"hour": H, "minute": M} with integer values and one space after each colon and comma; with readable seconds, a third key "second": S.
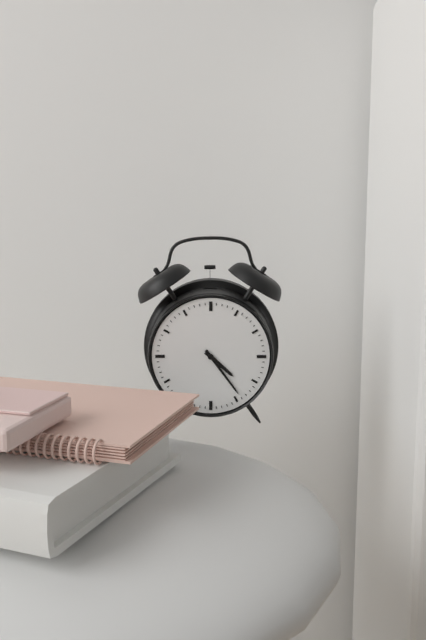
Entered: {"hour": 4, "minute": 24}
